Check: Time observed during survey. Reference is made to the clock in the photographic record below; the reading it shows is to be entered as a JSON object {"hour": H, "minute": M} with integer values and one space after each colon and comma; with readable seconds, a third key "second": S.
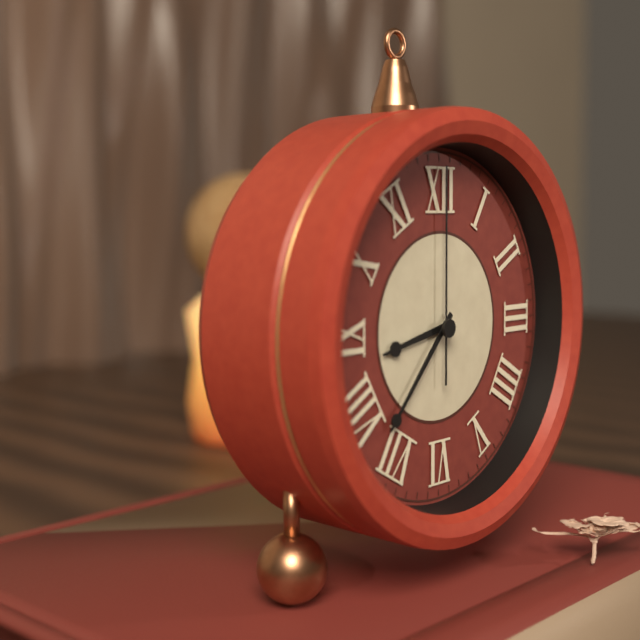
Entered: {"hour": 8, "minute": 37, "second": 0}
